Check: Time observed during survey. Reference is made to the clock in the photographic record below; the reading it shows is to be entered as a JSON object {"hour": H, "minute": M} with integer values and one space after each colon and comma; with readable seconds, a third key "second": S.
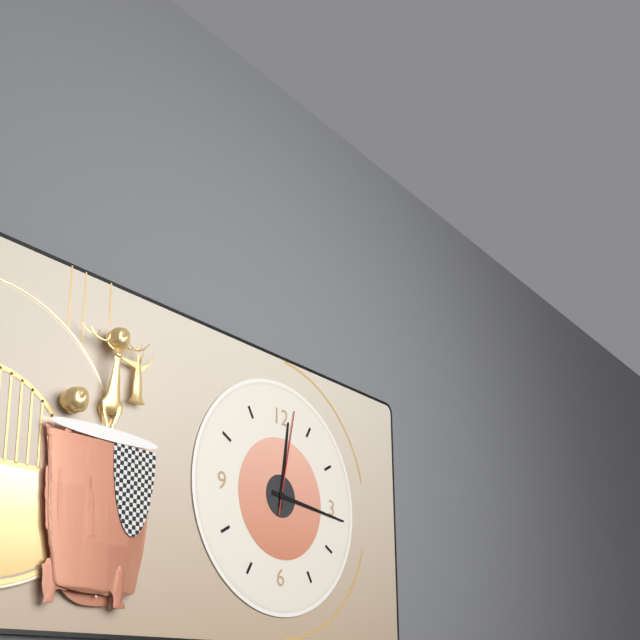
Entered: {"hour": 12, "minute": 16, "second": 2}
